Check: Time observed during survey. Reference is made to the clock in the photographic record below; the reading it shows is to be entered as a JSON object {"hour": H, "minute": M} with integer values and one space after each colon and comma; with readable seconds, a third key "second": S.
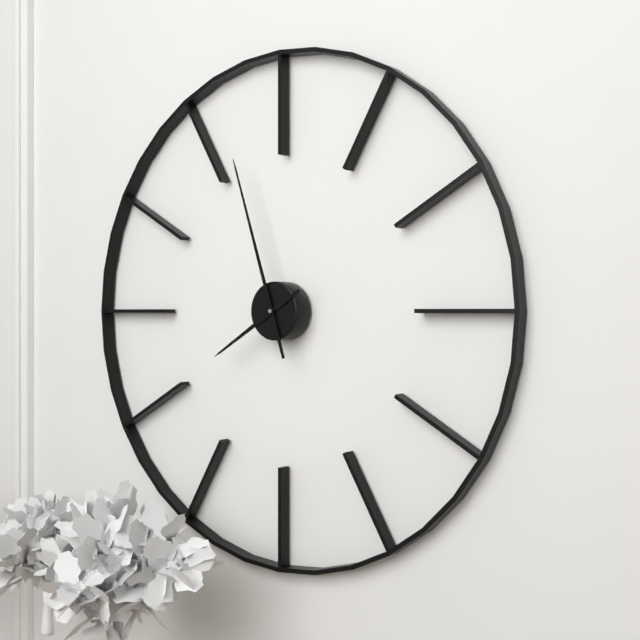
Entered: {"hour": 7, "minute": 57}
